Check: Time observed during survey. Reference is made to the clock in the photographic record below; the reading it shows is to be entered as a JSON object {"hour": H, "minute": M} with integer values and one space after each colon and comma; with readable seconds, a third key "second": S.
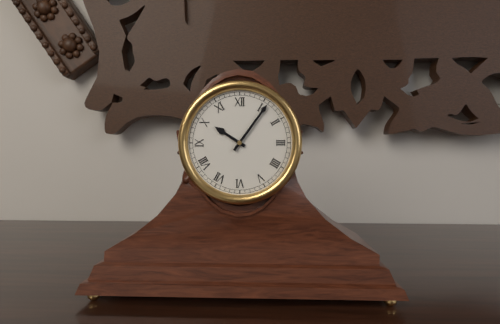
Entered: {"hour": 10, "minute": 6}
